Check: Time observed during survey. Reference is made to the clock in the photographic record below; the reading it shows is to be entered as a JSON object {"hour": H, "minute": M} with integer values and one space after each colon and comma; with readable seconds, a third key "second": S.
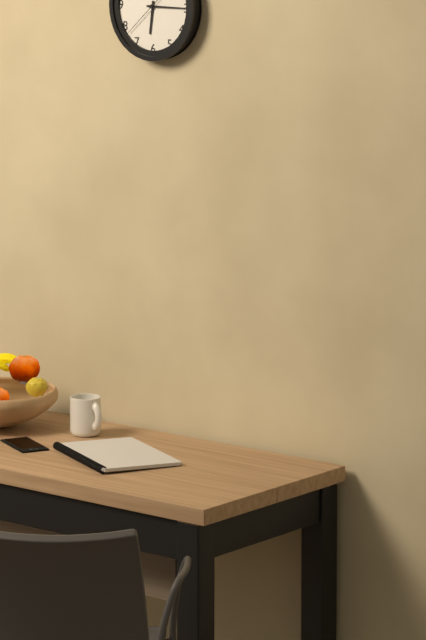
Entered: {"hour": 6, "minute": 15}
